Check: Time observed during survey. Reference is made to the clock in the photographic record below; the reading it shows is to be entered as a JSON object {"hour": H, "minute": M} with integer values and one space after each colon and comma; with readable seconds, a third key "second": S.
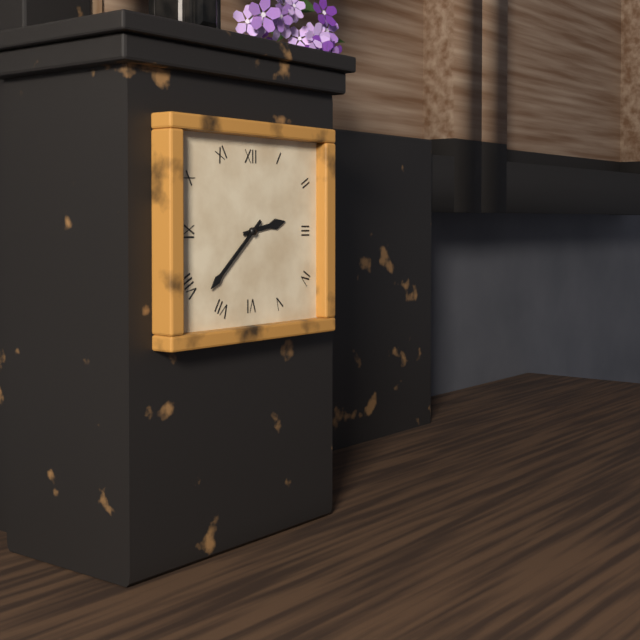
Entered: {"hour": 2, "minute": 38}
